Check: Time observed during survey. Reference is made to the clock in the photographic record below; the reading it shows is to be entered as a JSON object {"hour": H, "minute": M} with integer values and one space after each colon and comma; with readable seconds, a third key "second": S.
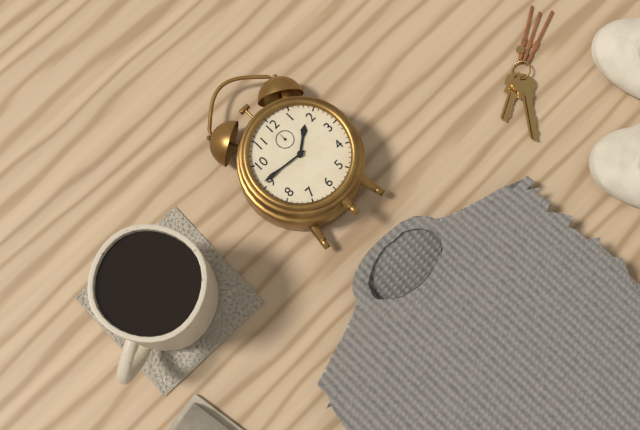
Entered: {"hour": 1, "minute": 46}
